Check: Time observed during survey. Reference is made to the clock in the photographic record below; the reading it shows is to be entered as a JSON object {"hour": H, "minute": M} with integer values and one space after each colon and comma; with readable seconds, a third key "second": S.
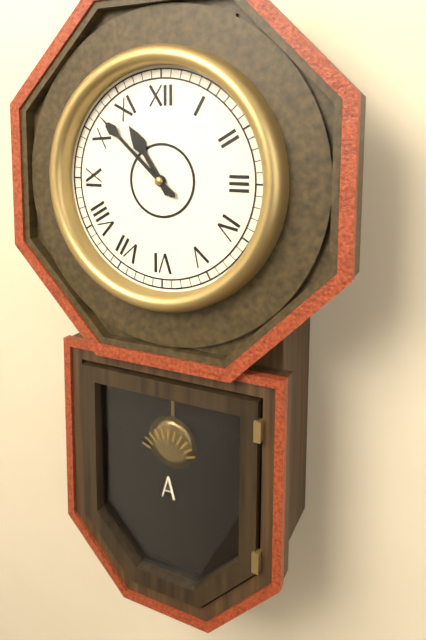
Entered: {"hour": 10, "minute": 52}
